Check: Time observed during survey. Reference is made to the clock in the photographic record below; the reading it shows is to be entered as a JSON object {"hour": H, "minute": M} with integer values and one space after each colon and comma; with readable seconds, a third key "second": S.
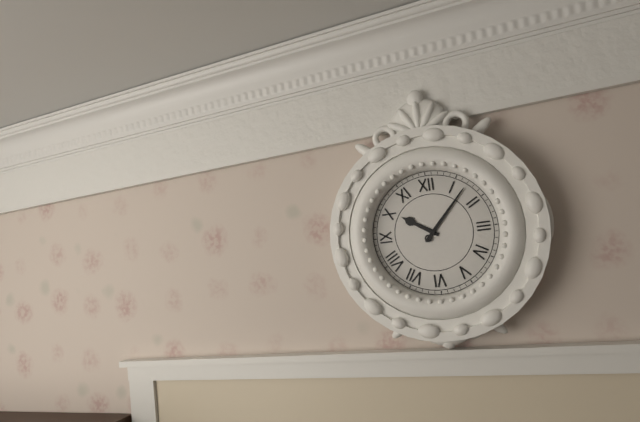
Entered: {"hour": 10, "minute": 7}
